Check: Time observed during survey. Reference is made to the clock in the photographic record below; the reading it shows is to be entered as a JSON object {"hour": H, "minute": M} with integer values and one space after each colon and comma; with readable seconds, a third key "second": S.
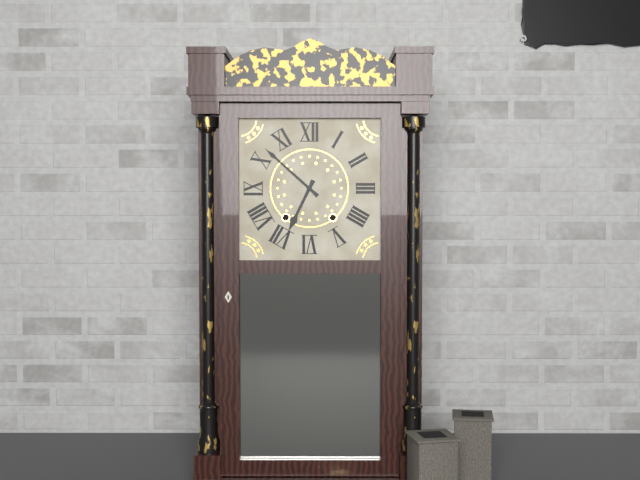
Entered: {"hour": 6, "minute": 52}
